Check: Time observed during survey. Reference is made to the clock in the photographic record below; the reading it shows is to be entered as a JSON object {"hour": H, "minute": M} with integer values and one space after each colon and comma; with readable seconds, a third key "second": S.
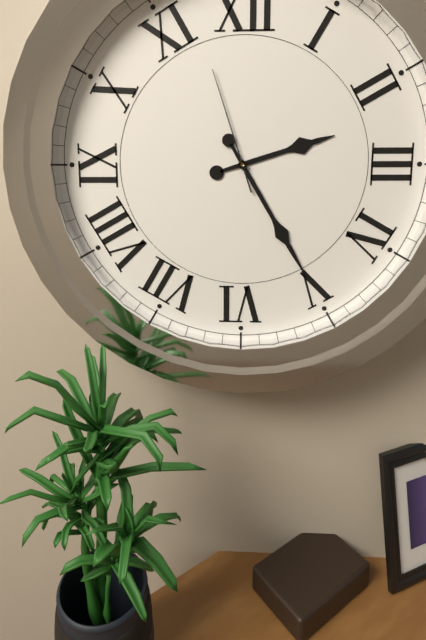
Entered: {"hour": 2, "minute": 25, "second": 57}
